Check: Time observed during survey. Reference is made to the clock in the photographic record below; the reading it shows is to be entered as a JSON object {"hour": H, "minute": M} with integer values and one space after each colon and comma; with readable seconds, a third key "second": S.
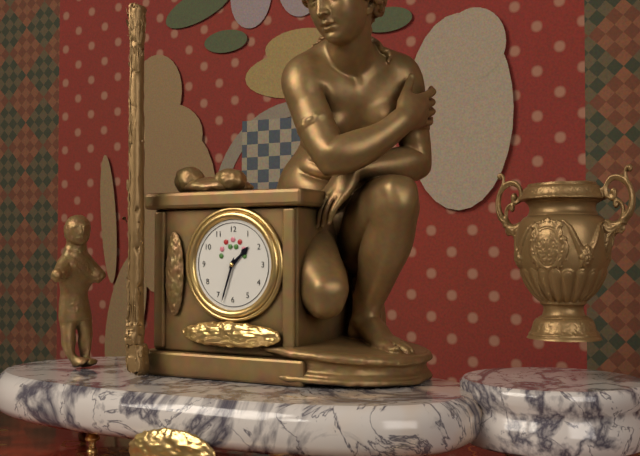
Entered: {"hour": 1, "minute": 33}
